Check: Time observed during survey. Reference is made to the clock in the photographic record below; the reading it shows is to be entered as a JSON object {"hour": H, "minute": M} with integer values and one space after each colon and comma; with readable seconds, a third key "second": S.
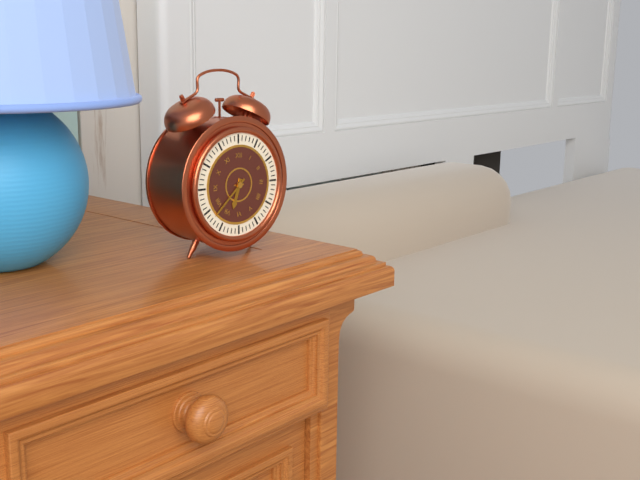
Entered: {"hour": 6, "minute": 38}
